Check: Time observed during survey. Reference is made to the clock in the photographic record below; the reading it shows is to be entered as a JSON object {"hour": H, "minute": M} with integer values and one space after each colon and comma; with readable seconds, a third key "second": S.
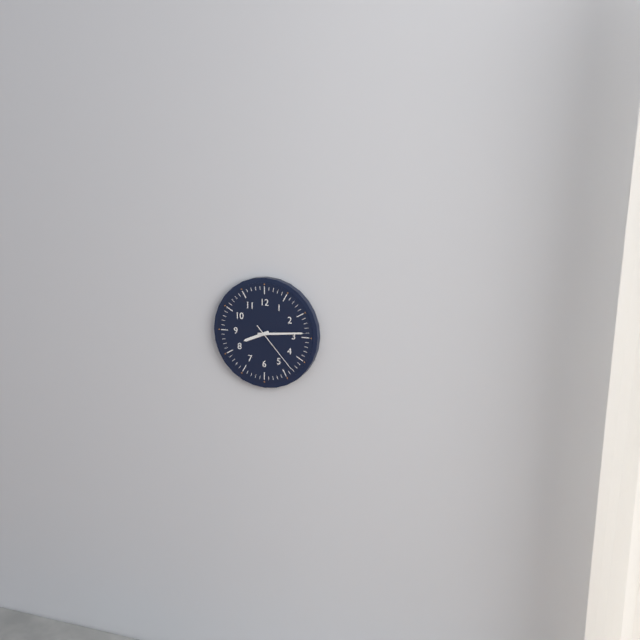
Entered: {"hour": 8, "minute": 14, "second": 23}
